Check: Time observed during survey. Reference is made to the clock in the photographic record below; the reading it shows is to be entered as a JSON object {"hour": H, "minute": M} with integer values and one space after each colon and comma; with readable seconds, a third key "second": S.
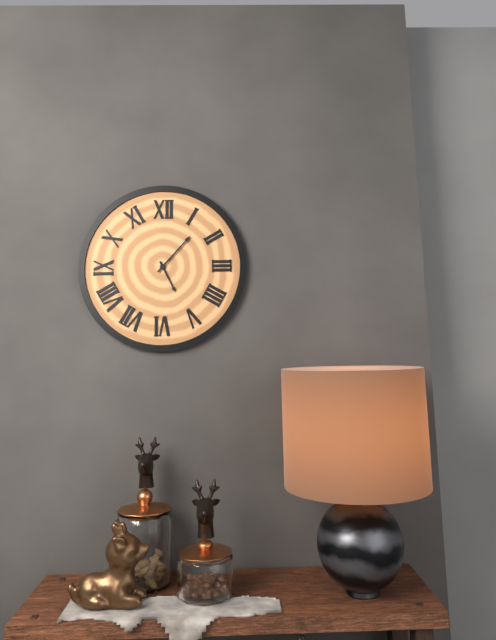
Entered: {"hour": 5, "minute": 7}
